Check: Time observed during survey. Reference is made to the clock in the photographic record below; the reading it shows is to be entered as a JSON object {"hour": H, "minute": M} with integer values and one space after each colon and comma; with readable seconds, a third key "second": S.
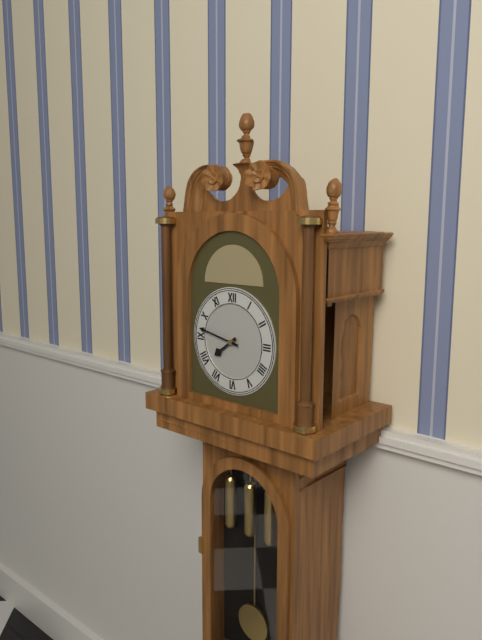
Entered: {"hour": 7, "minute": 47}
